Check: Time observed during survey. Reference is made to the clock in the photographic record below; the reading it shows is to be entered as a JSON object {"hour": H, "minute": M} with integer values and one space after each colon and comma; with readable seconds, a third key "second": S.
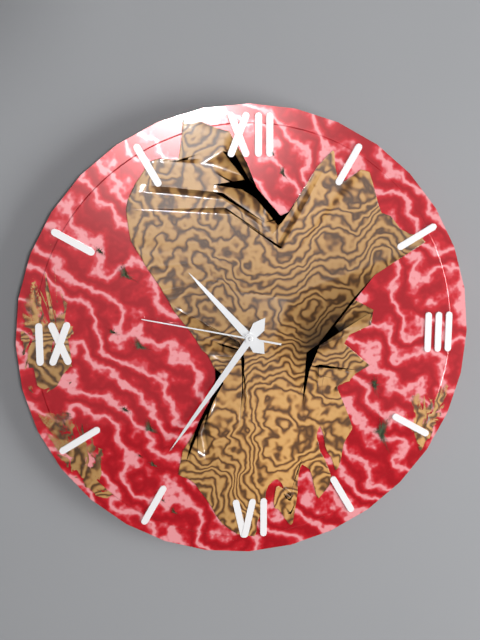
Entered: {"hour": 10, "minute": 36, "second": 47}
